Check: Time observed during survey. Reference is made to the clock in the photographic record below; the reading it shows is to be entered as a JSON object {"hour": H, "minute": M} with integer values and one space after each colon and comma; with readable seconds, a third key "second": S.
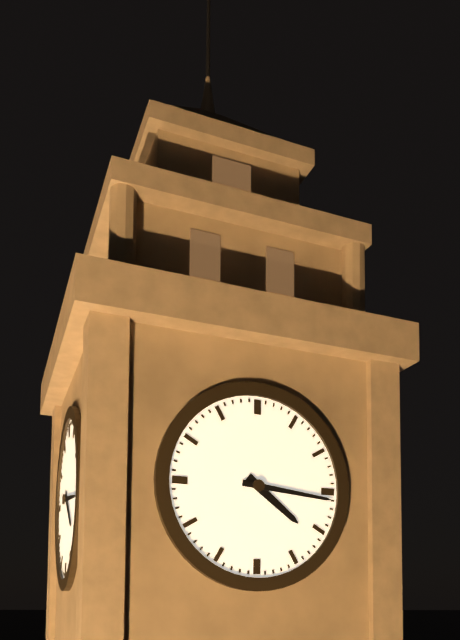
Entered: {"hour": 4, "minute": 16}
